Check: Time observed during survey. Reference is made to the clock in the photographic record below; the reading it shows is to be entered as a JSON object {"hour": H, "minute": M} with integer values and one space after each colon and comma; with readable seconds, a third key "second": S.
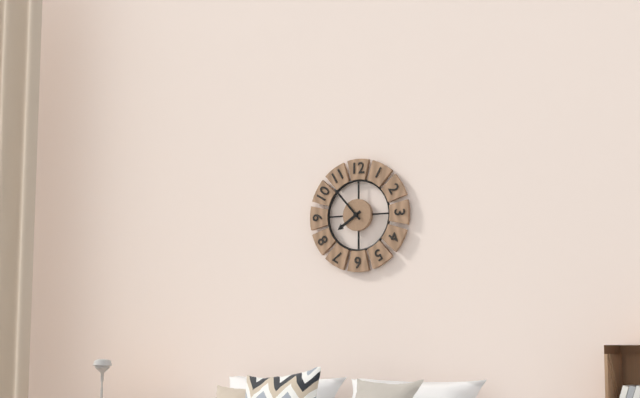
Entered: {"hour": 7, "minute": 53}
